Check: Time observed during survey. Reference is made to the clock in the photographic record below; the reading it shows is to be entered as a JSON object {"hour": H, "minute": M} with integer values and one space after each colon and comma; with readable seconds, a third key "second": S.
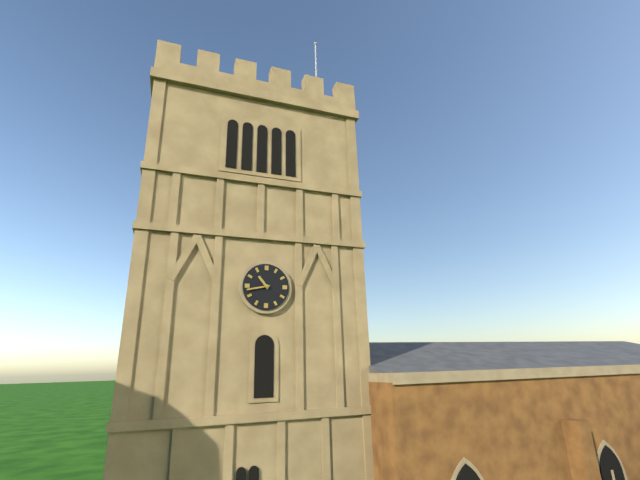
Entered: {"hour": 10, "minute": 43}
